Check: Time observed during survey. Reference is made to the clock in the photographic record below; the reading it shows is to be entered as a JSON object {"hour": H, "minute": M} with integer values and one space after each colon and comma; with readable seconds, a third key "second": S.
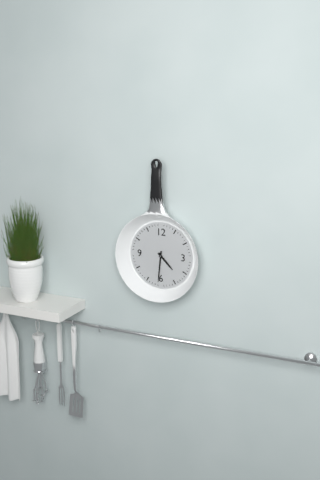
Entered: {"hour": 4, "minute": 31}
